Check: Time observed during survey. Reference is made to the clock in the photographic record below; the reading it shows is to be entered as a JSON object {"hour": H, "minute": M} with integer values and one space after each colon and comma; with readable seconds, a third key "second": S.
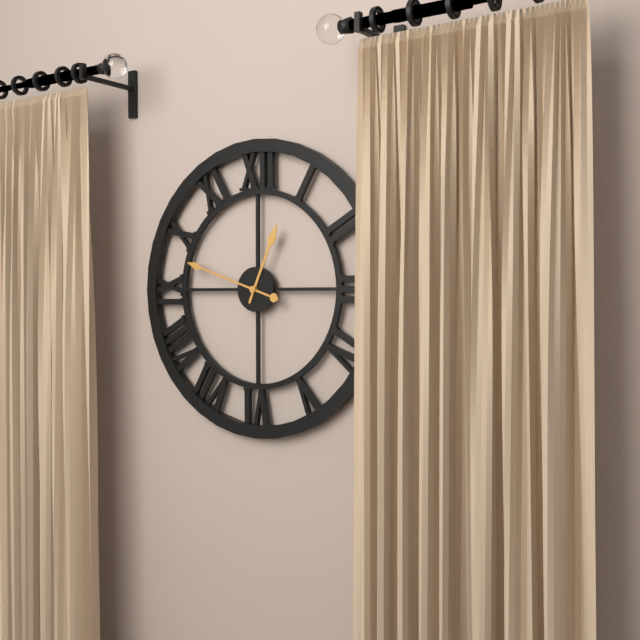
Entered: {"hour": 12, "minute": 48}
